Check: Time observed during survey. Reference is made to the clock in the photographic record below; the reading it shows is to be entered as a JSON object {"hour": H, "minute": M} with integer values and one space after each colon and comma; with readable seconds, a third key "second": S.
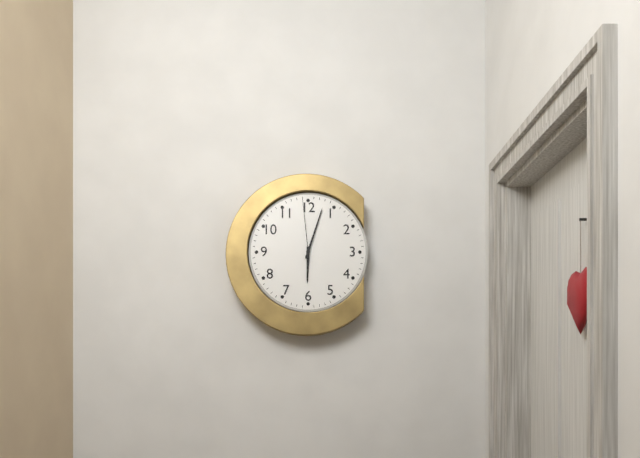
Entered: {"hour": 6, "minute": 3, "second": 59}
